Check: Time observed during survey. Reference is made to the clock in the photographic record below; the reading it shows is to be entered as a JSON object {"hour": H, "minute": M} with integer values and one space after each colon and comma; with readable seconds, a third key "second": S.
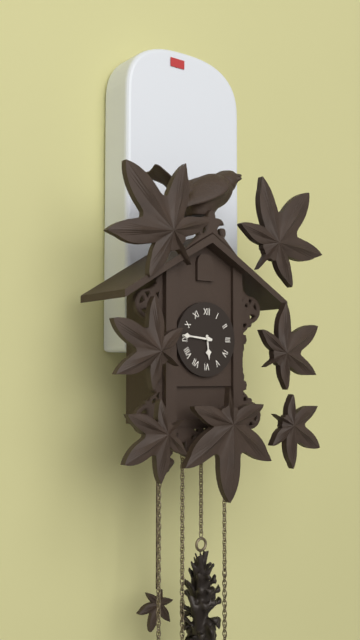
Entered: {"hour": 5, "minute": 46}
